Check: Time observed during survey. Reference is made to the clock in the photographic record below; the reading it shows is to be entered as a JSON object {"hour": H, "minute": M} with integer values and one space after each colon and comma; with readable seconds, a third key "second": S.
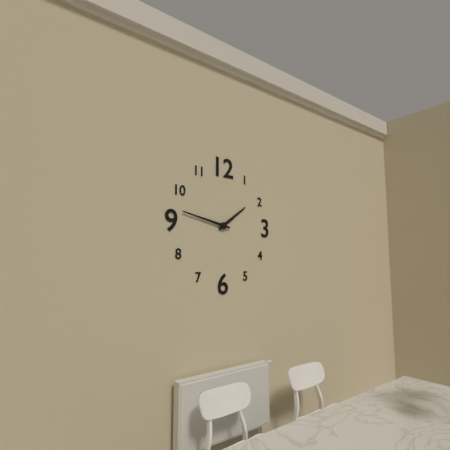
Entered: {"hour": 1, "minute": 47}
